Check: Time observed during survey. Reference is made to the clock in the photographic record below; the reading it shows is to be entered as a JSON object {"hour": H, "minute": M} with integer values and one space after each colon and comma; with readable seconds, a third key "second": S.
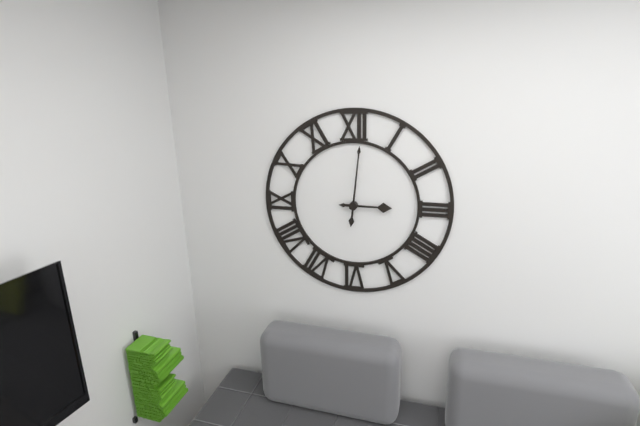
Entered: {"hour": 3, "minute": 1}
